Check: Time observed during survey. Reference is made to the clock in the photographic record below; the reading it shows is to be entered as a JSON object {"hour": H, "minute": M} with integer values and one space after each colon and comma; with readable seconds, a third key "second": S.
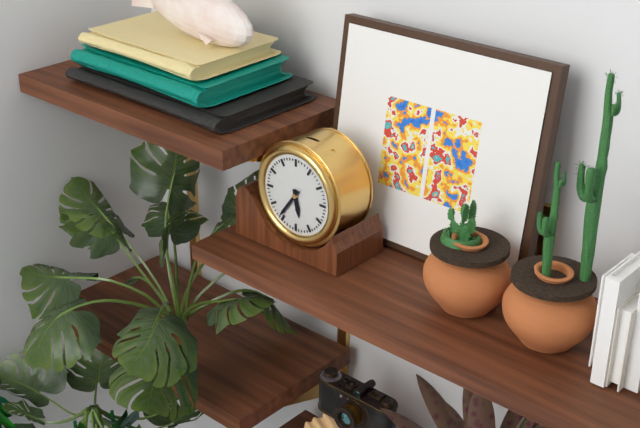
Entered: {"hour": 5, "minute": 36}
